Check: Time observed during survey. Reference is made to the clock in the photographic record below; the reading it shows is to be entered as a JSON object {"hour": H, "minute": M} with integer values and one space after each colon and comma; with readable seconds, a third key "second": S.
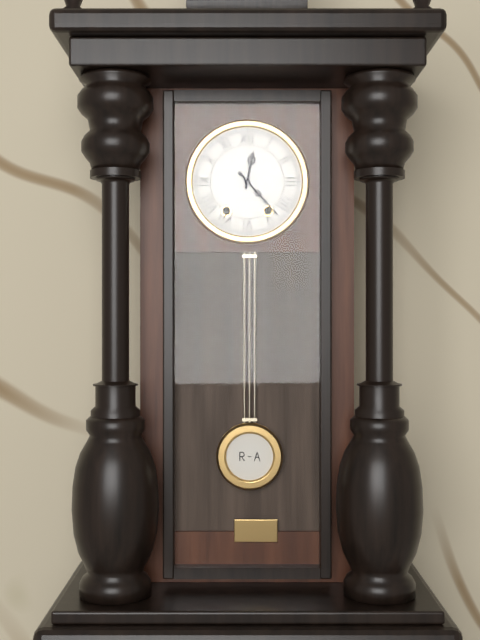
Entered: {"hour": 12, "minute": 23}
